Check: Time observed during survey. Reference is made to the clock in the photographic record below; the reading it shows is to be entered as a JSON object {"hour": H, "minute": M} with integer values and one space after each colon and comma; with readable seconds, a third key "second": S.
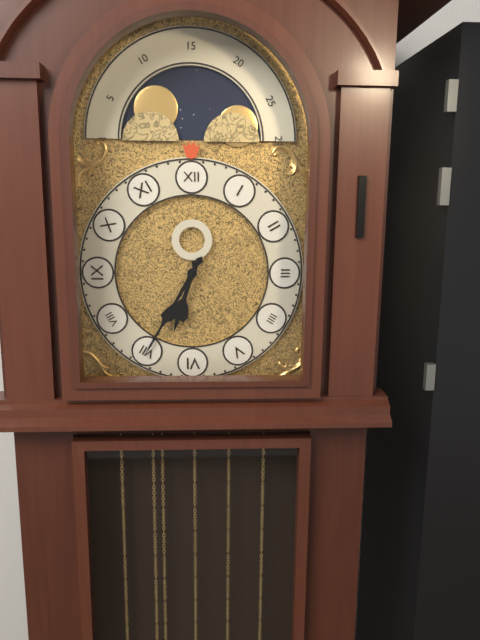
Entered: {"hour": 6, "minute": 35}
